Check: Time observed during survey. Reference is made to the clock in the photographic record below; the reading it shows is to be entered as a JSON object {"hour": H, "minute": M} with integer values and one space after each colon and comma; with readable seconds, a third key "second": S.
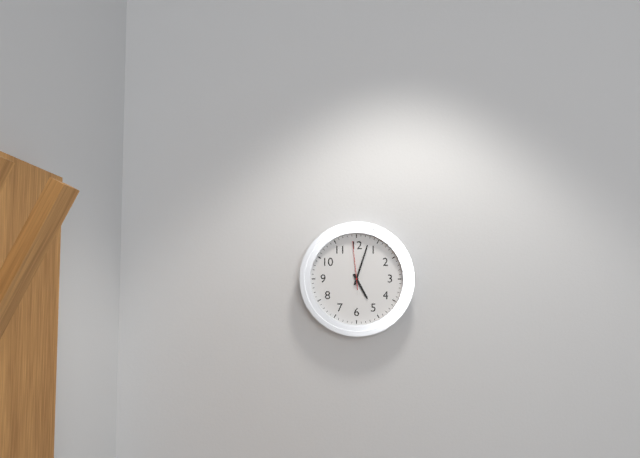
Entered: {"hour": 5, "minute": 3}
